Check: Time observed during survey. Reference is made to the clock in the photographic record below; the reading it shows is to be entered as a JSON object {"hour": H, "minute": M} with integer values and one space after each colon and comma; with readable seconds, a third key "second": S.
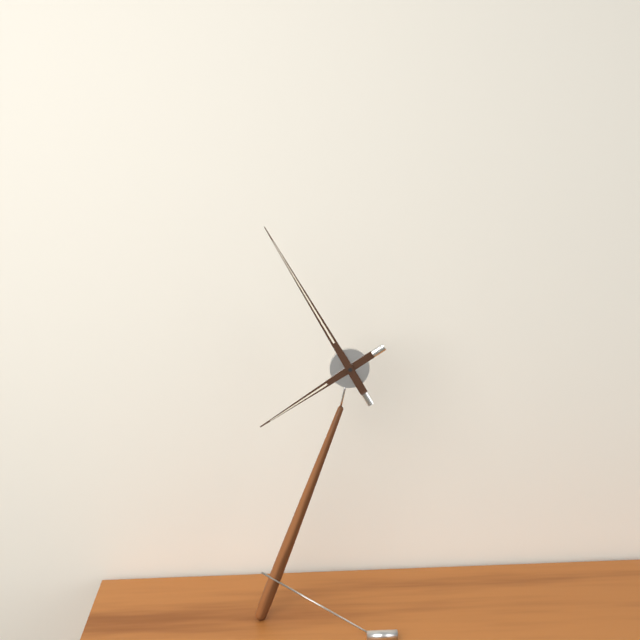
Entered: {"hour": 7, "minute": 55}
